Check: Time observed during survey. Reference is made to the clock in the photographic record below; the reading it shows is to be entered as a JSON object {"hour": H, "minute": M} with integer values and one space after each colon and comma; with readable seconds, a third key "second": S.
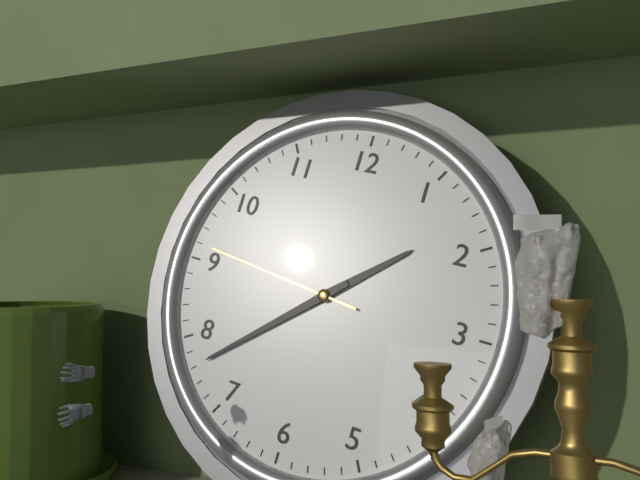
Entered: {"hour": 1, "minute": 38, "second": 46}
